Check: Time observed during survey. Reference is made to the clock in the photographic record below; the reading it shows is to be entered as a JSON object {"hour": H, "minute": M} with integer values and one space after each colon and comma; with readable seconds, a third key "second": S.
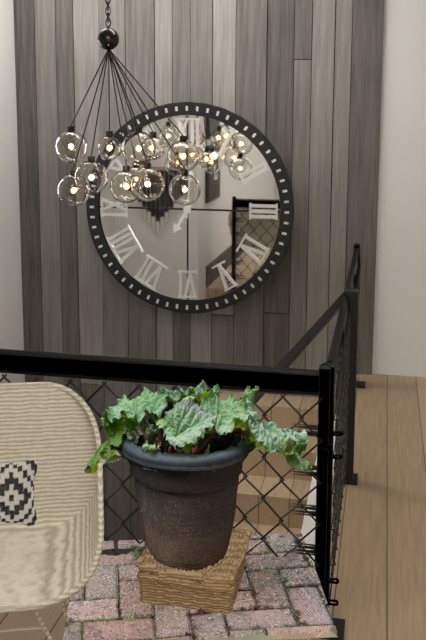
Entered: {"hour": 7, "minute": 1}
